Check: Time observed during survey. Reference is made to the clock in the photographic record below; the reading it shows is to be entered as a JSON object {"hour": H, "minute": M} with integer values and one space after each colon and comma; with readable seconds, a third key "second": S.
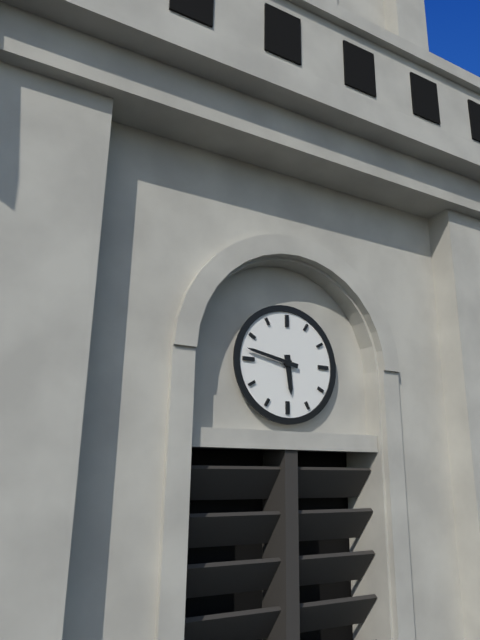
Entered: {"hour": 5, "minute": 47}
